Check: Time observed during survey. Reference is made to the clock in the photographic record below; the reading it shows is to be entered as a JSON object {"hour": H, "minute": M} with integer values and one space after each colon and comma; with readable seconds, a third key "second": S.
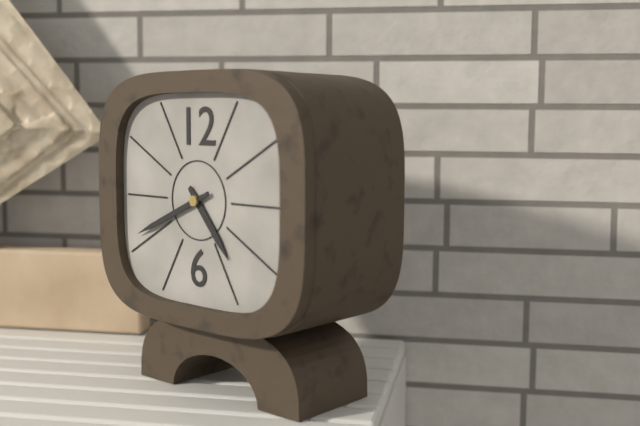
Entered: {"hour": 4, "minute": 41}
